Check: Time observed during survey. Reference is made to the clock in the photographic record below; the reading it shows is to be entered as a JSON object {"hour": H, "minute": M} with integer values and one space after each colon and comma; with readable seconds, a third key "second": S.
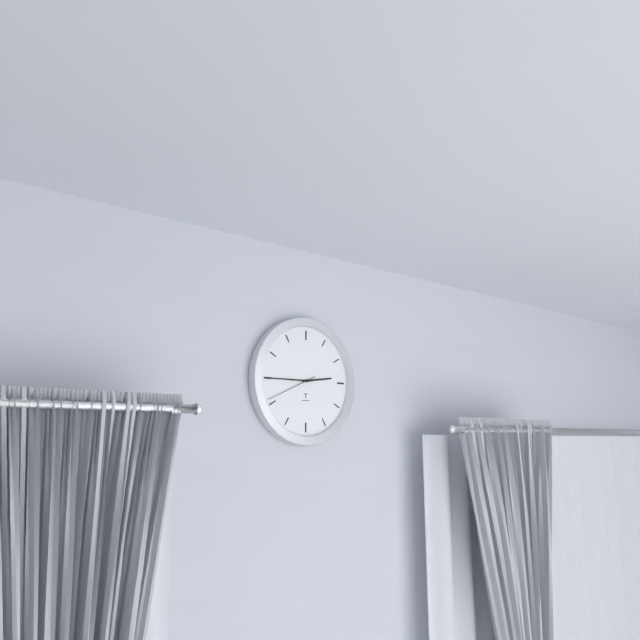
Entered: {"hour": 2, "minute": 45, "second": 41}
